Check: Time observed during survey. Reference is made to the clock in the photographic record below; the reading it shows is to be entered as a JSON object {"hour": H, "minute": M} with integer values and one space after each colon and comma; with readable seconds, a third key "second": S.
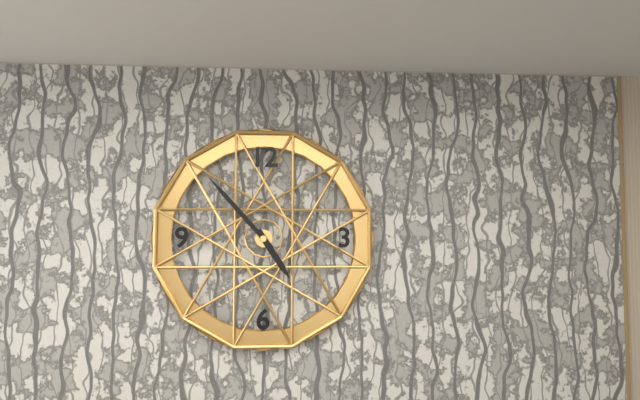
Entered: {"hour": 4, "minute": 53}
